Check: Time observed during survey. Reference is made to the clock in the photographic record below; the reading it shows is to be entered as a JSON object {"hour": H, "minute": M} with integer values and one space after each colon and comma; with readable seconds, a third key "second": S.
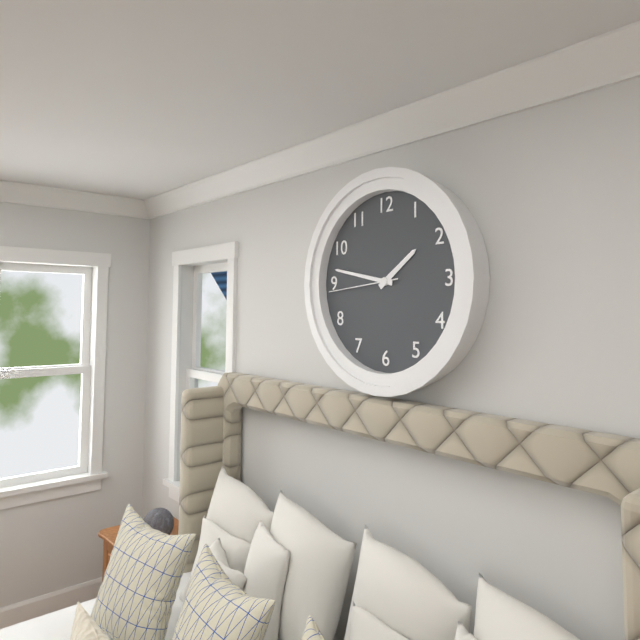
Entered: {"hour": 1, "minute": 47, "second": 44}
